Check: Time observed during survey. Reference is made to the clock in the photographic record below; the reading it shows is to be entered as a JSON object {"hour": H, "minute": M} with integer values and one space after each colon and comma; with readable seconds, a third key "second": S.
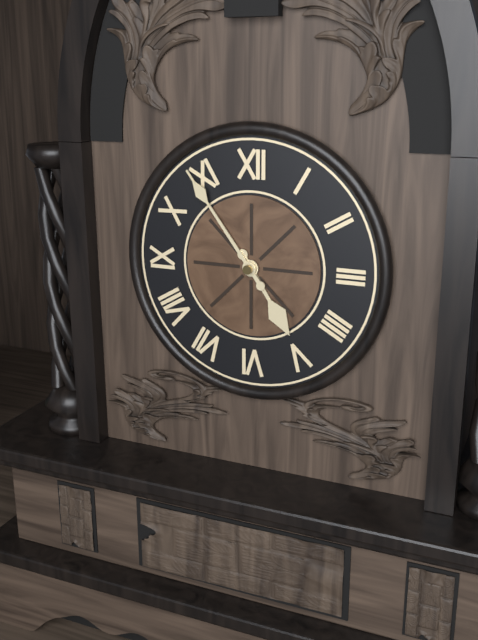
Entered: {"hour": 4, "minute": 54}
